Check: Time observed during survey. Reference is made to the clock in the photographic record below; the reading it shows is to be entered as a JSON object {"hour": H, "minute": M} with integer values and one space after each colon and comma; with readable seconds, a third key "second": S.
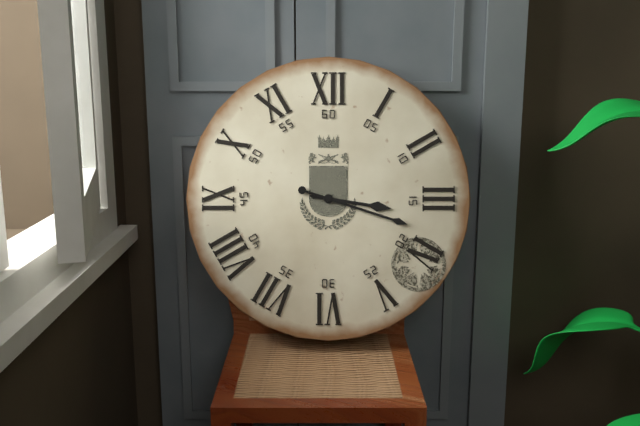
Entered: {"hour": 3, "minute": 18}
